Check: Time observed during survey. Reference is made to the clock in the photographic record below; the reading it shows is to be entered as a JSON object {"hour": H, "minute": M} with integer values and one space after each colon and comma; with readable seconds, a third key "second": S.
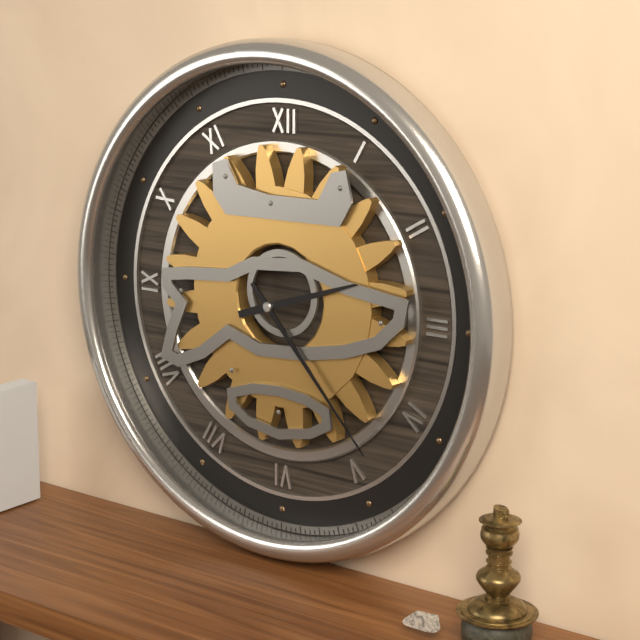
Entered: {"hour": 2, "minute": 23}
